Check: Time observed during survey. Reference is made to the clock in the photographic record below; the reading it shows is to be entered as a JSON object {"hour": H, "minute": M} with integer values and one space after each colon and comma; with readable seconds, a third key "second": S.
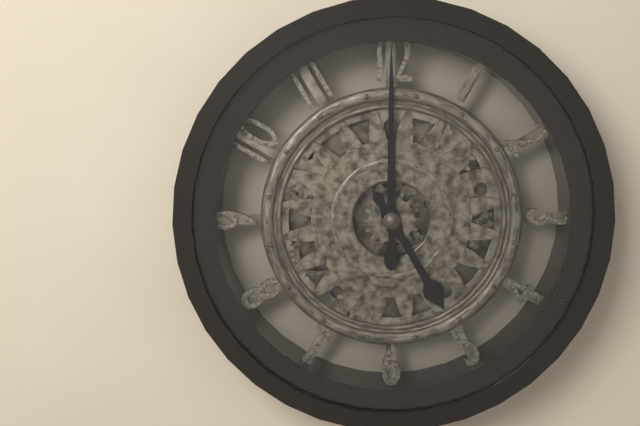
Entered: {"hour": 5, "minute": 0}
